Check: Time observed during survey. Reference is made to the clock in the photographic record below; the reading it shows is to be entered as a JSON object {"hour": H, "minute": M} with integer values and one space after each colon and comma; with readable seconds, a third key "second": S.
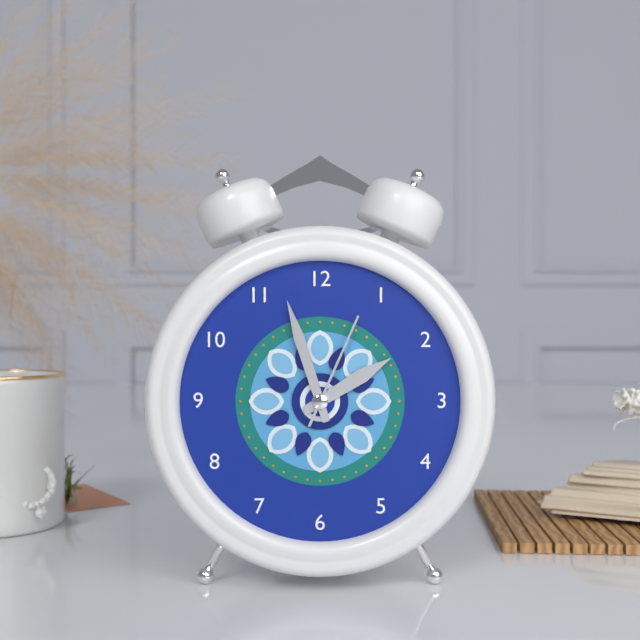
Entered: {"hour": 1, "minute": 57, "second": 4}
